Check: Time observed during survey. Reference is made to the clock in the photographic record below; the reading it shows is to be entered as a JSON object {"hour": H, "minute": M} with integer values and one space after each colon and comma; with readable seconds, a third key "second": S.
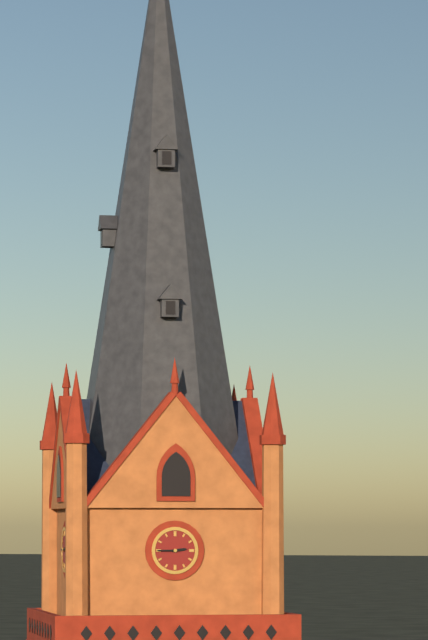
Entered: {"hour": 2, "minute": 45}
